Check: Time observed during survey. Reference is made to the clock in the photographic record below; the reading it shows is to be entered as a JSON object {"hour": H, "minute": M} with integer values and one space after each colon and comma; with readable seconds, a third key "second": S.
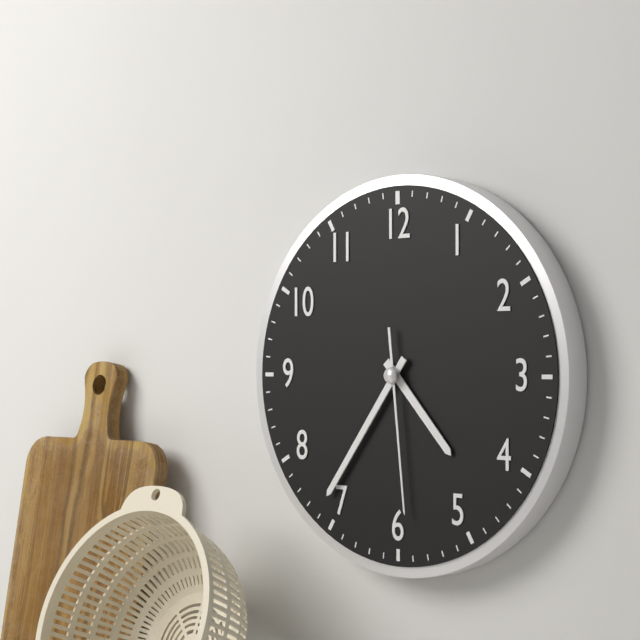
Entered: {"hour": 4, "minute": 36, "second": 29}
